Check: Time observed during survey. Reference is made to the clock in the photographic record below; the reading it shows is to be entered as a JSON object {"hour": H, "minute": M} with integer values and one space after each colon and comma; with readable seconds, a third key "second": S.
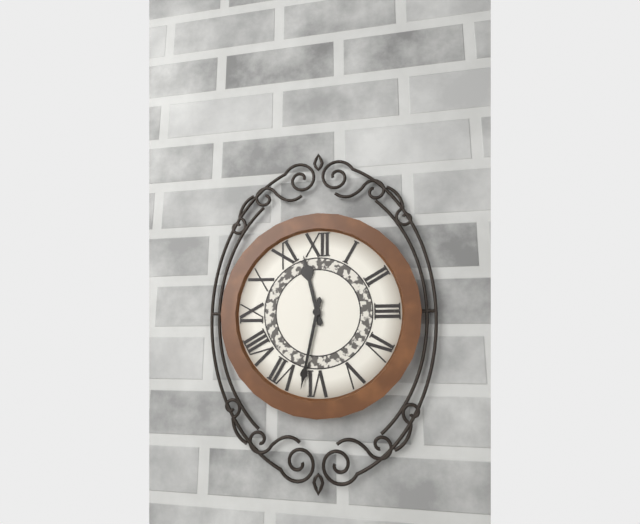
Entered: {"hour": 11, "minute": 32}
